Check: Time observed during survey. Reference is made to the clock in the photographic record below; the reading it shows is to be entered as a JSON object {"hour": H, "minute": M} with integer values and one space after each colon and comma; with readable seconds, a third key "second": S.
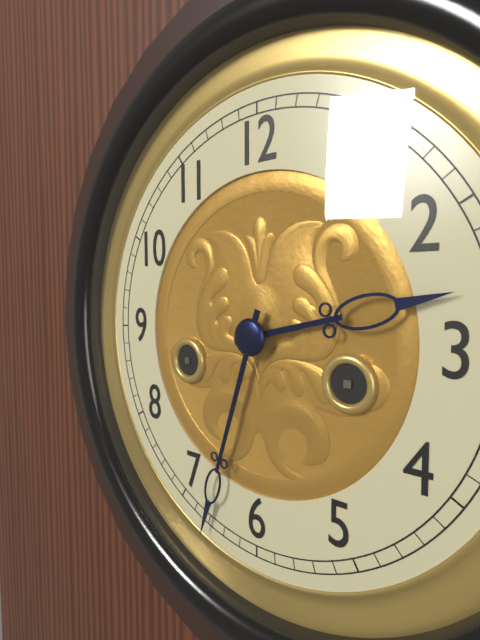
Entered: {"hour": 2, "minute": 33}
